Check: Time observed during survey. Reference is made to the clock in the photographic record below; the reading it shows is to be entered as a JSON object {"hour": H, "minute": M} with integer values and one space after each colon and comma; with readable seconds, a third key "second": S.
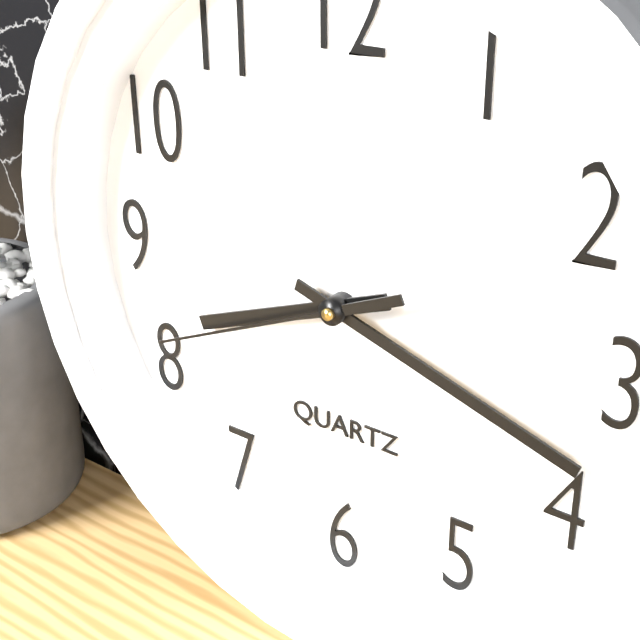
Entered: {"hour": 8, "minute": 18, "second": 41}
